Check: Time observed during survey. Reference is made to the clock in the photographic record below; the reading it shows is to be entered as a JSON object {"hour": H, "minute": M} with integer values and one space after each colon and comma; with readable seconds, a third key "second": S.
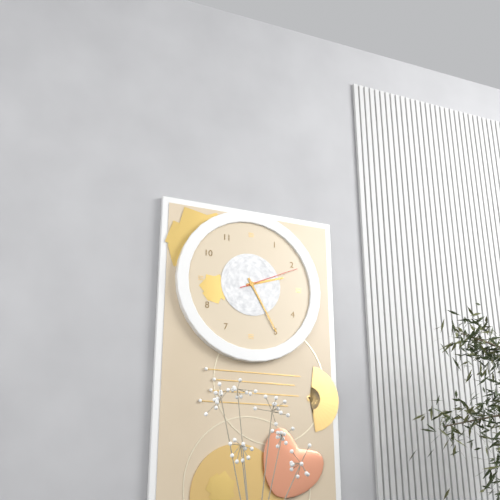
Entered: {"hour": 2, "minute": 25, "second": 11}
